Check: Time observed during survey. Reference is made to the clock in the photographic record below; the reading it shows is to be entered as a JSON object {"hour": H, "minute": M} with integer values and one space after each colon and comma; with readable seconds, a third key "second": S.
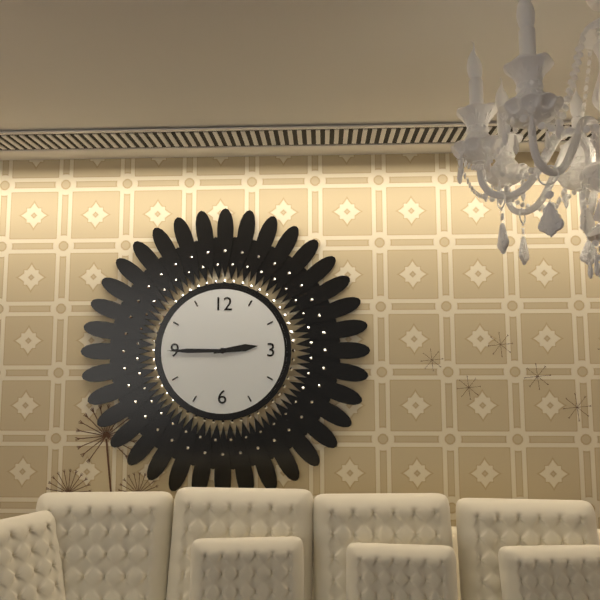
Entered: {"hour": 2, "minute": 45}
